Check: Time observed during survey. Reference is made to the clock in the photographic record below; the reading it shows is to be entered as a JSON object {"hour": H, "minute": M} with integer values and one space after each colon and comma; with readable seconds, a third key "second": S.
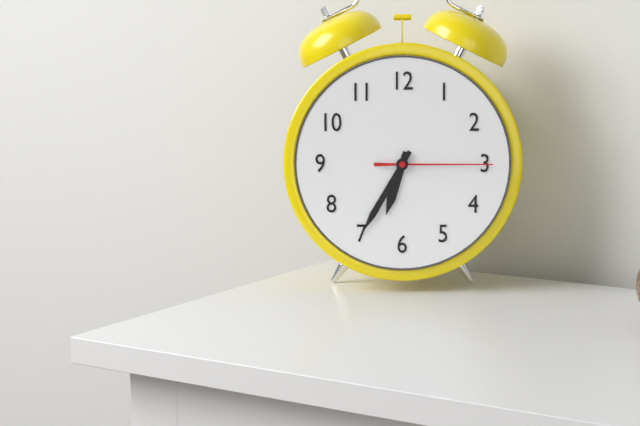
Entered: {"hour": 6, "minute": 35, "second": 15}
